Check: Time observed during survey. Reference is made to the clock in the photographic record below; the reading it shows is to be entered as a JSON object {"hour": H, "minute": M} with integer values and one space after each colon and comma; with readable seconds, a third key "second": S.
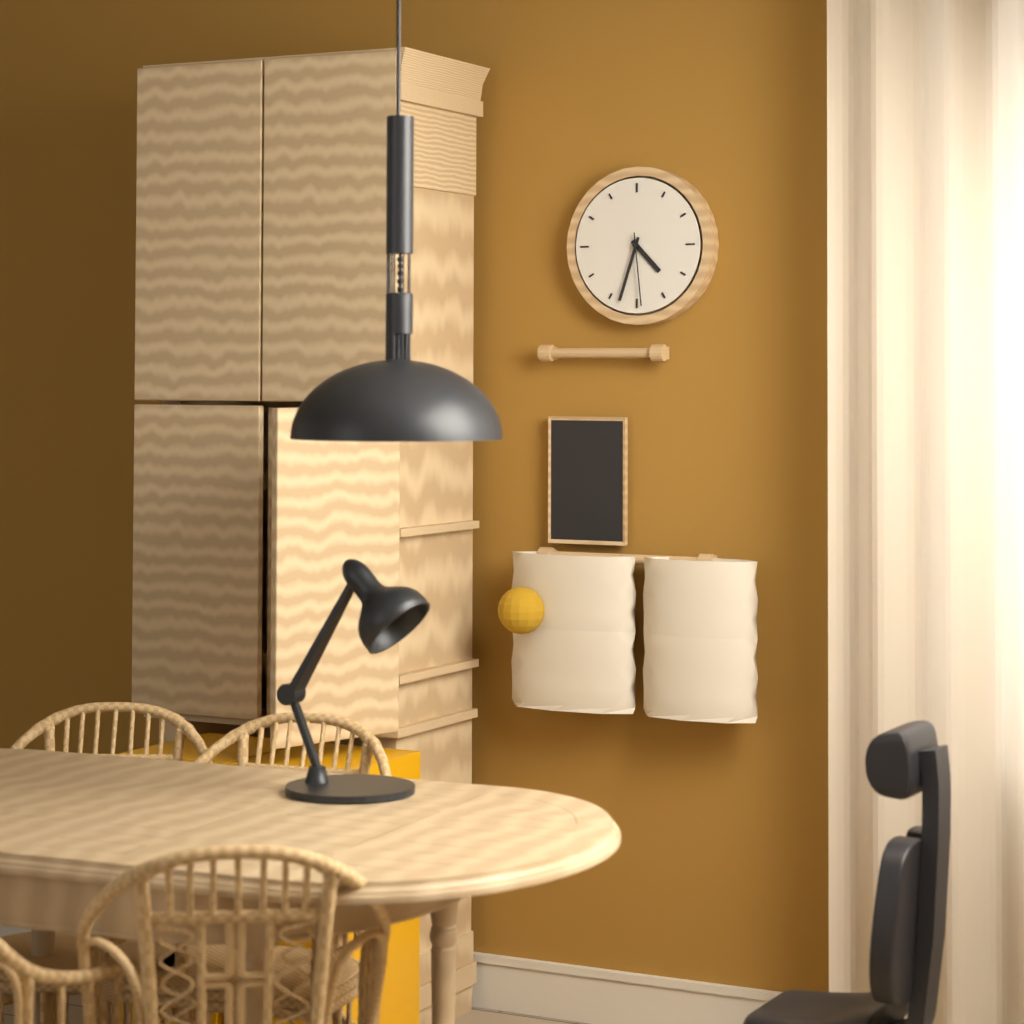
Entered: {"hour": 4, "minute": 33, "second": 29}
